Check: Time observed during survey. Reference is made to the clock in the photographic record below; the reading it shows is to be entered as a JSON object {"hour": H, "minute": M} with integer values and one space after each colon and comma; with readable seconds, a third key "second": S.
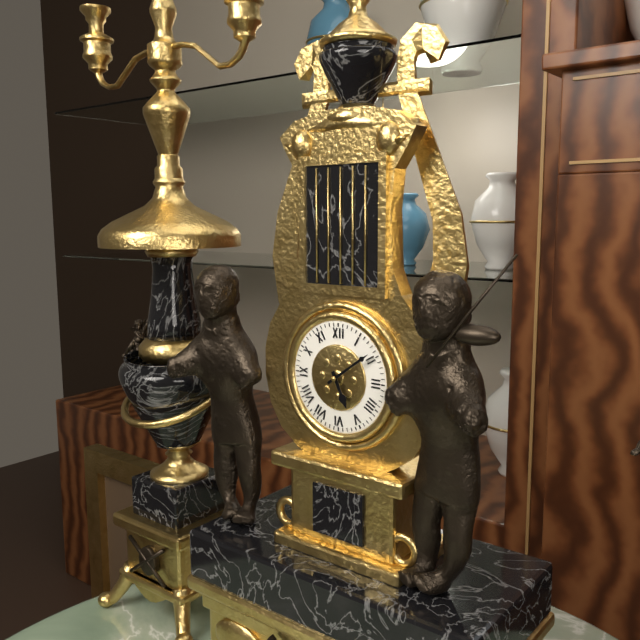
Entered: {"hour": 5, "minute": 9}
